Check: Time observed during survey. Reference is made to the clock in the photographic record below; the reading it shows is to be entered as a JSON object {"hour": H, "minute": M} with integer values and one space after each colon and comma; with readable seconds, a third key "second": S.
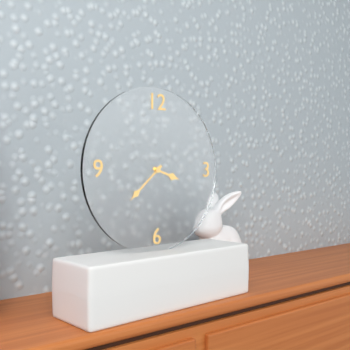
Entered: {"hour": 3, "minute": 38}
